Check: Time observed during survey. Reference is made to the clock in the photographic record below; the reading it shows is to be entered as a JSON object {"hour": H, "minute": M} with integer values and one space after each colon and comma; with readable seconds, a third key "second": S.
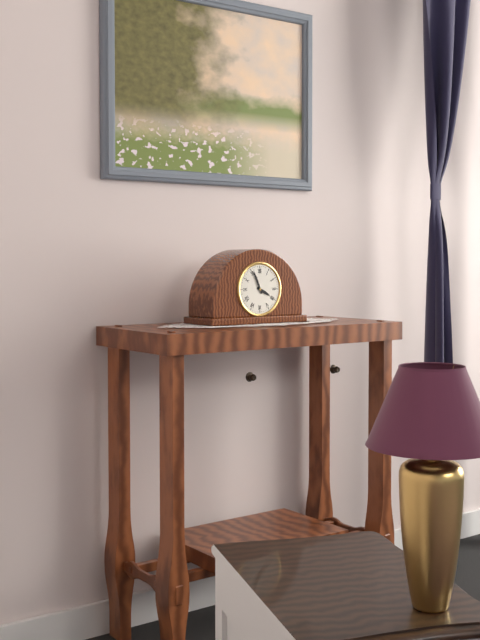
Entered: {"hour": 3, "minute": 56}
